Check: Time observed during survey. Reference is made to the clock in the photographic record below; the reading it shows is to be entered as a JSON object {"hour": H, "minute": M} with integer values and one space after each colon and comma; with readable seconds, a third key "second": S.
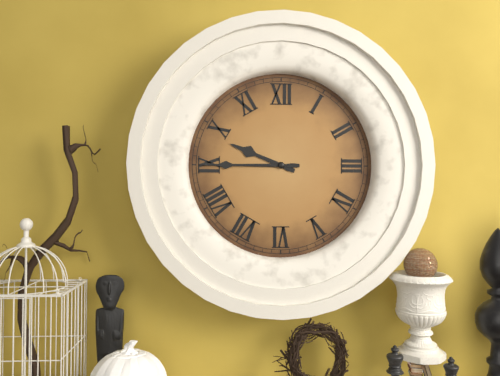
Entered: {"hour": 9, "minute": 45}
